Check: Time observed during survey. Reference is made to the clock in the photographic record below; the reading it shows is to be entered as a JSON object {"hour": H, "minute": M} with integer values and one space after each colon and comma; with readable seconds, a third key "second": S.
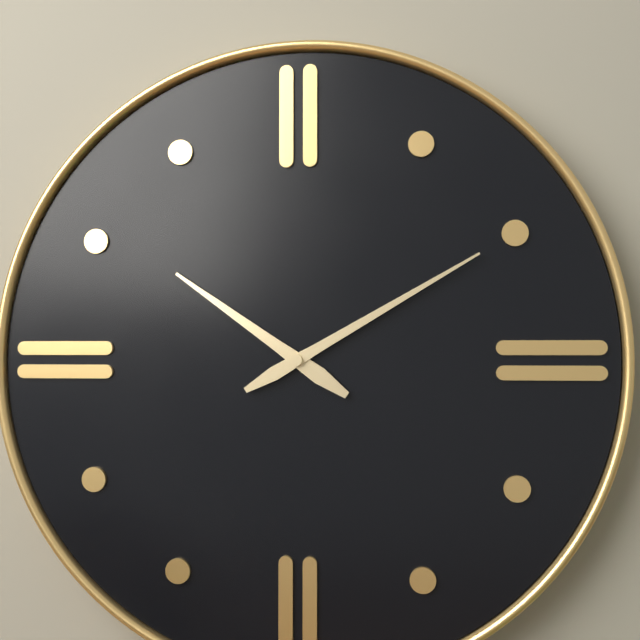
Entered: {"hour": 10, "minute": 10}
